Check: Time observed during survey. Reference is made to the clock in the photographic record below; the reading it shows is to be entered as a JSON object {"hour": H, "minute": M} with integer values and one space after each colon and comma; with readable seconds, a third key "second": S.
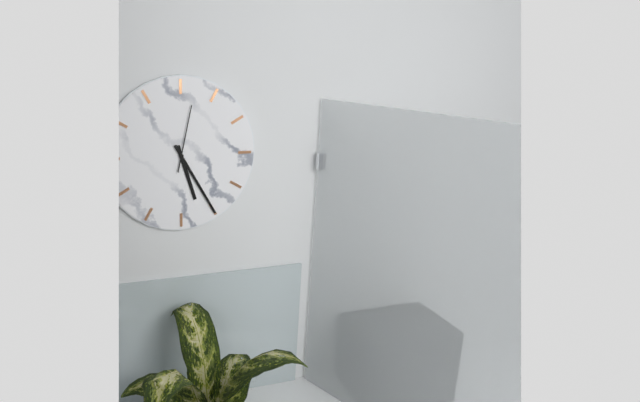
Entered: {"hour": 5, "minute": 25, "second": 2}
